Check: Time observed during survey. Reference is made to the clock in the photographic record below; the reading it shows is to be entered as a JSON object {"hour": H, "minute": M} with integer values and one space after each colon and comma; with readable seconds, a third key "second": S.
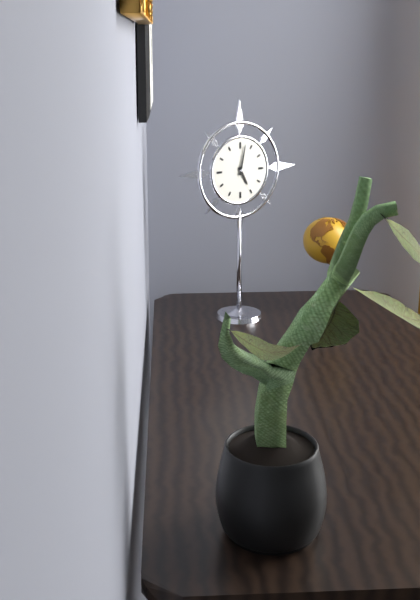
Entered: {"hour": 5, "minute": 2}
